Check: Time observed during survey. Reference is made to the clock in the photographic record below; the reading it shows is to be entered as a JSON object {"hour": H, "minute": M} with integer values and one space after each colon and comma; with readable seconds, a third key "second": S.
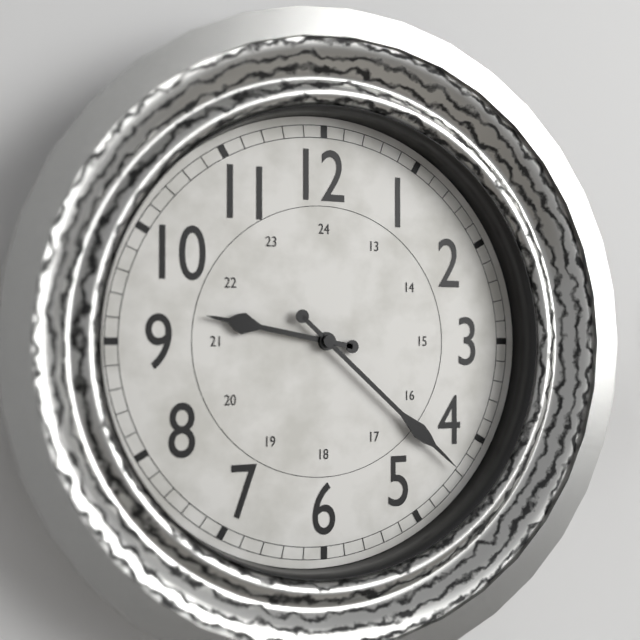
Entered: {"hour": 9, "minute": 22}
